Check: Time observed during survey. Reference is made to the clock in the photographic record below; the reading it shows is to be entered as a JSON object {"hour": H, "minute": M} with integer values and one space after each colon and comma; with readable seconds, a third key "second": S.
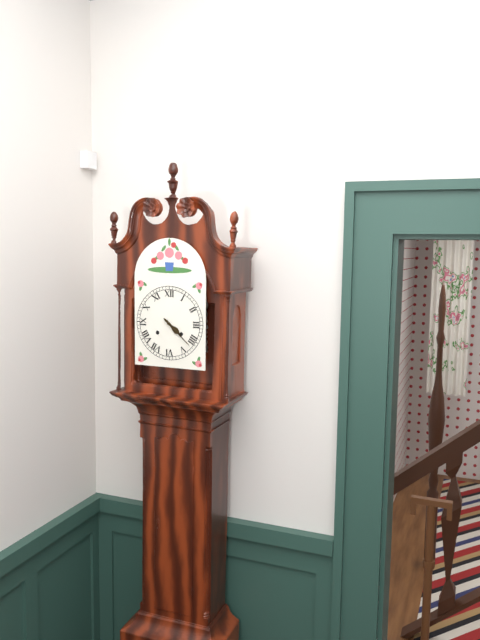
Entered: {"hour": 4, "minute": 22}
